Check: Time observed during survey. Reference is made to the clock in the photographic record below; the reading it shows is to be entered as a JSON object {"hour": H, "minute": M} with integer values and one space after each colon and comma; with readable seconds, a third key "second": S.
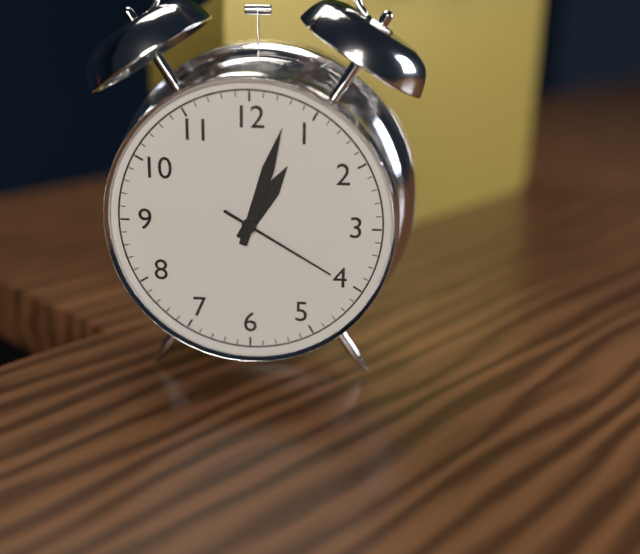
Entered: {"hour": 1, "minute": 3, "second": 20}
